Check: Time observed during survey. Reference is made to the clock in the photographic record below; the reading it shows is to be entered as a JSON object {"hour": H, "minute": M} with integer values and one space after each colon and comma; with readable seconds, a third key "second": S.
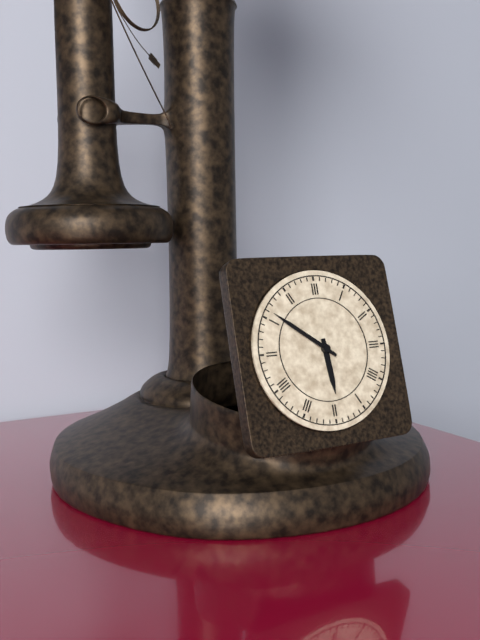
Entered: {"hour": 5, "minute": 51}
